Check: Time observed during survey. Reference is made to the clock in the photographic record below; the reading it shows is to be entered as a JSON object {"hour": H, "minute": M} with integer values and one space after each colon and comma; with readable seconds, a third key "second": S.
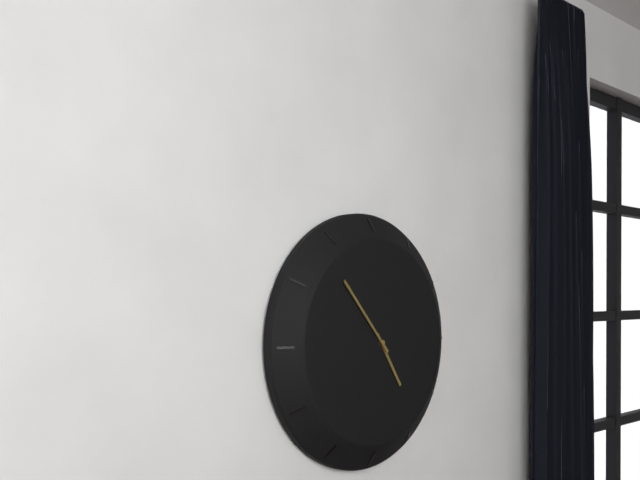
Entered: {"hour": 4, "minute": 53}
